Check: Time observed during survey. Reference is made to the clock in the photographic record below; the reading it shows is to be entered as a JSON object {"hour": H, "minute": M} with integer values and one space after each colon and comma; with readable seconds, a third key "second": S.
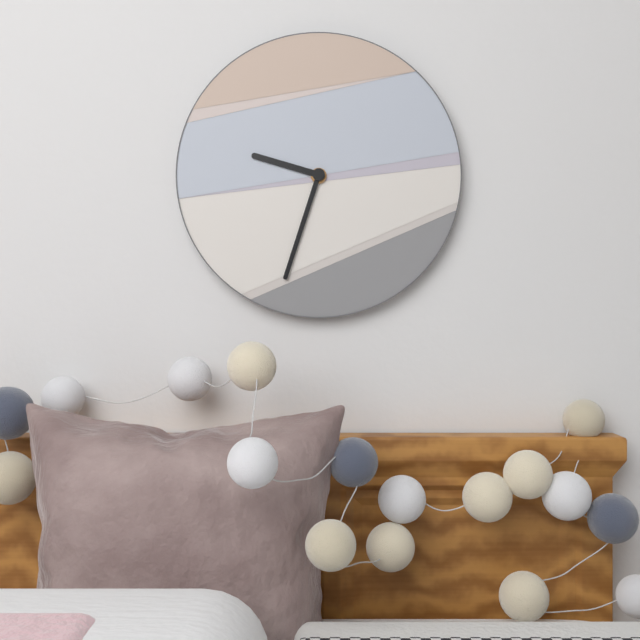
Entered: {"hour": 9, "minute": 33}
